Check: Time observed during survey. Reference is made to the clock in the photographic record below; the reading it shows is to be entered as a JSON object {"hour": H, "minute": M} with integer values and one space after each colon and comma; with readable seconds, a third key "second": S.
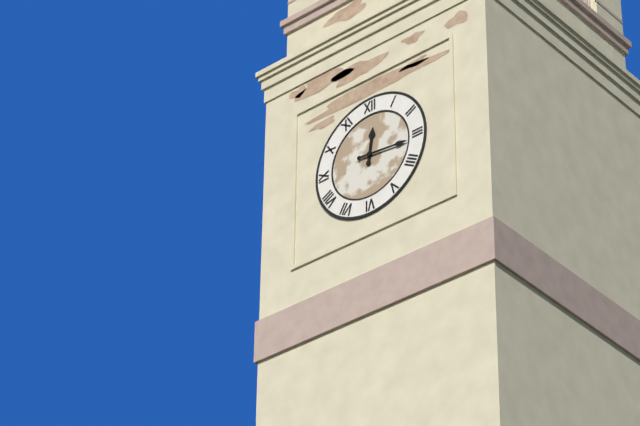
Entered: {"hour": 12, "minute": 16}
